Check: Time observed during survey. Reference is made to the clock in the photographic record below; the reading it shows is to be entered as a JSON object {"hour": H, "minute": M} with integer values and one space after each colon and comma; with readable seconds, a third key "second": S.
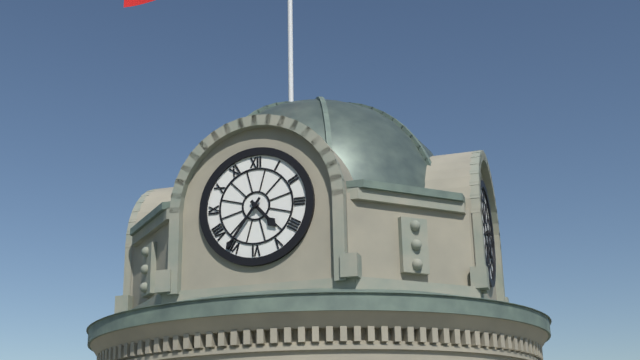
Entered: {"hour": 4, "minute": 36}
